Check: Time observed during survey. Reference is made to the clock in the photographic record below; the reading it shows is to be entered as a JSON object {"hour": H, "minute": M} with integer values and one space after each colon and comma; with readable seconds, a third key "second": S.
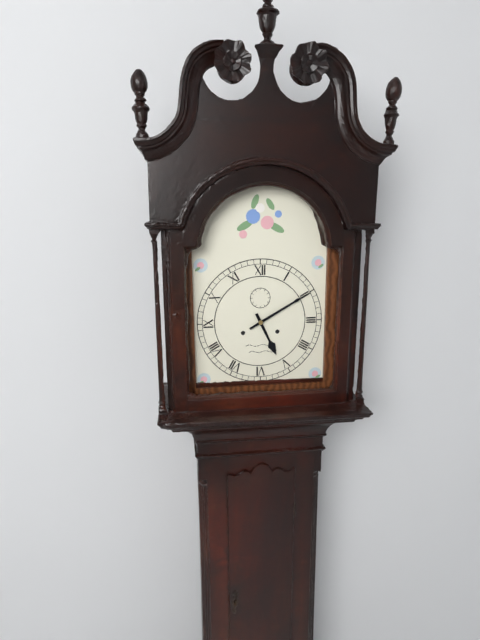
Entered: {"hour": 5, "minute": 10}
